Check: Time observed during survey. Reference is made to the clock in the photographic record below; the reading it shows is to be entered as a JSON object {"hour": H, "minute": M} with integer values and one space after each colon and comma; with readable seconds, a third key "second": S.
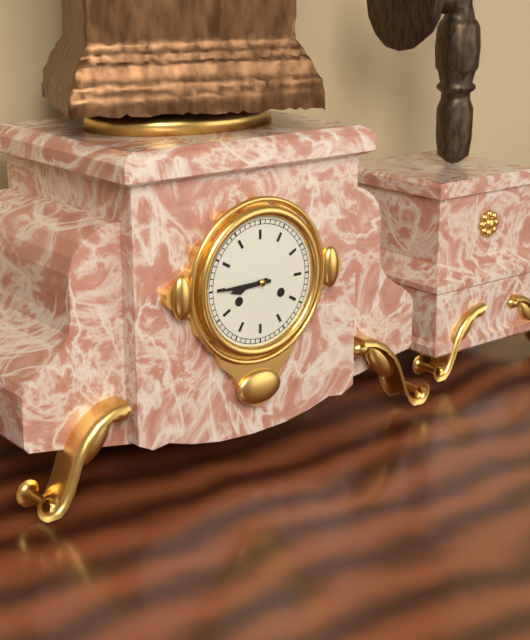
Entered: {"hour": 8, "minute": 45}
